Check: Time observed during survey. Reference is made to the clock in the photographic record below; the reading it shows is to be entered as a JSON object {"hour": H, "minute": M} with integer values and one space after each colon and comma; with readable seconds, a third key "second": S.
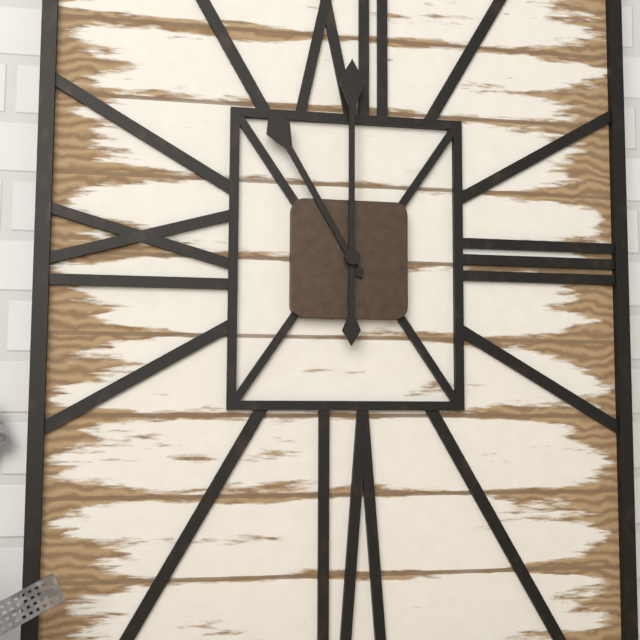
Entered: {"hour": 11, "minute": 0}
